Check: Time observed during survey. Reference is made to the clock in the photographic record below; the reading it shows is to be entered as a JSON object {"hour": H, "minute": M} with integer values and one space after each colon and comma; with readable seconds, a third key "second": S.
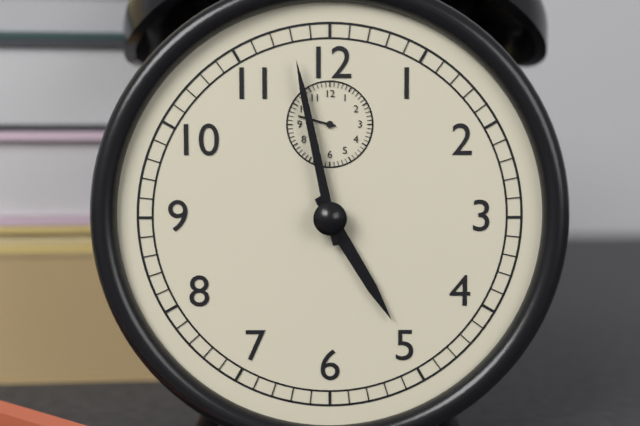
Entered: {"hour": 4, "minute": 58}
